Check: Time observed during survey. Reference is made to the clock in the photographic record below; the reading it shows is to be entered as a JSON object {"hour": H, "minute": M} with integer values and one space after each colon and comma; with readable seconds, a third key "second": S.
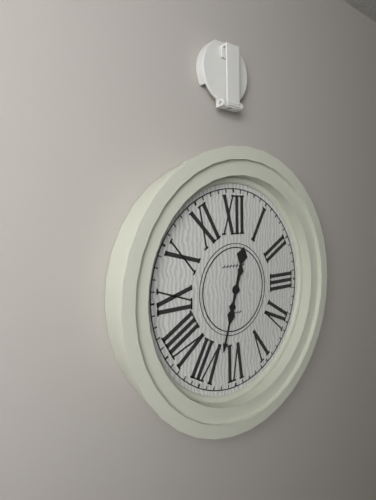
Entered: {"hour": 12, "minute": 33}
